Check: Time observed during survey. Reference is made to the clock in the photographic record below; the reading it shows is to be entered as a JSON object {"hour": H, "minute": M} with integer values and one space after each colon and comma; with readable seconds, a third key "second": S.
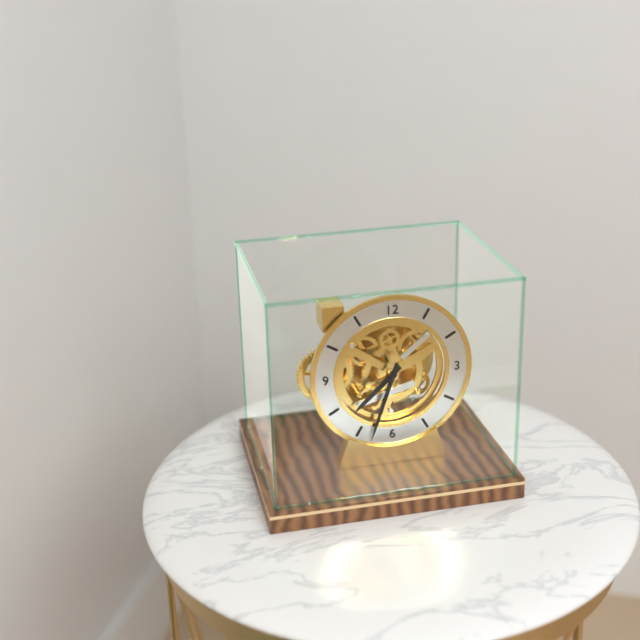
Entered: {"hour": 7, "minute": 33}
